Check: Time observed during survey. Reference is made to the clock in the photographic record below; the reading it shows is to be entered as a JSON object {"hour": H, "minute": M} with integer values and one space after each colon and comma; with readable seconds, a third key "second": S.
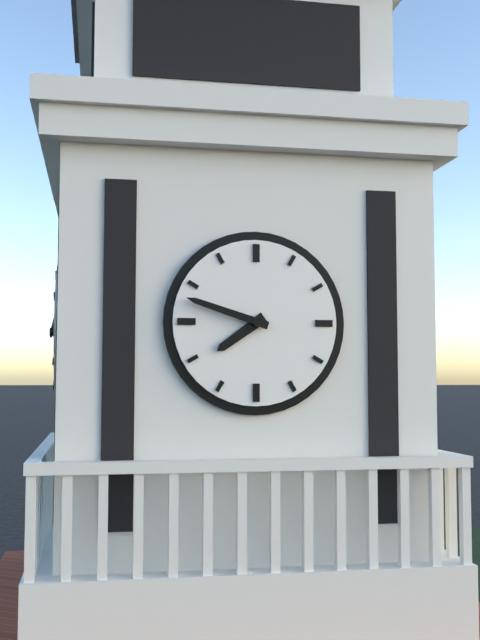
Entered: {"hour": 7, "minute": 48}
